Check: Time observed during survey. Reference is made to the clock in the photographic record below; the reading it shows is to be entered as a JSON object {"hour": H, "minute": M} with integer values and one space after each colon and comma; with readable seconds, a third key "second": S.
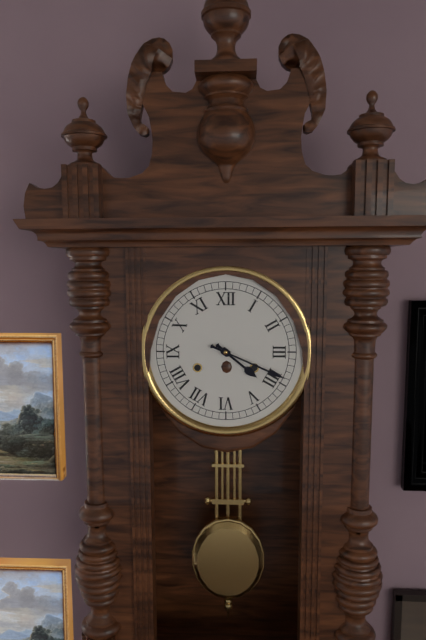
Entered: {"hour": 4, "minute": 19}
